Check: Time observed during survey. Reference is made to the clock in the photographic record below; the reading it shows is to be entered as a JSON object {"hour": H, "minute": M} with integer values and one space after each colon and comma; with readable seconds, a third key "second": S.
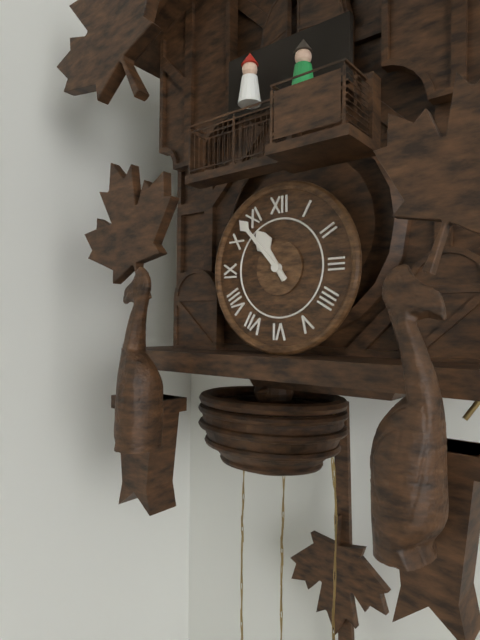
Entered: {"hour": 10, "minute": 53}
